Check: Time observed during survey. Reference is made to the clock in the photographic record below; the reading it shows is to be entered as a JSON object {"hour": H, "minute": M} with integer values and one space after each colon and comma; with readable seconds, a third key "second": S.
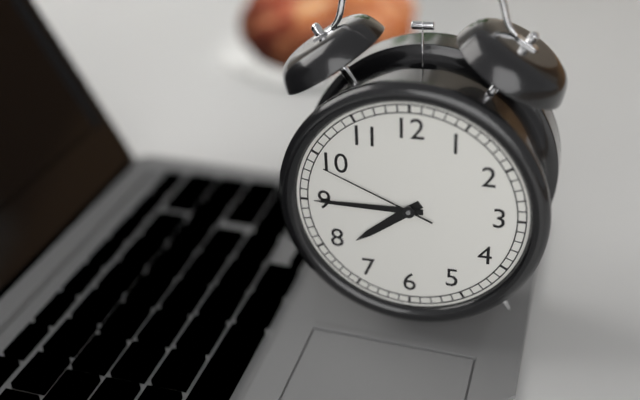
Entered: {"hour": 7, "minute": 45, "second": 49}
